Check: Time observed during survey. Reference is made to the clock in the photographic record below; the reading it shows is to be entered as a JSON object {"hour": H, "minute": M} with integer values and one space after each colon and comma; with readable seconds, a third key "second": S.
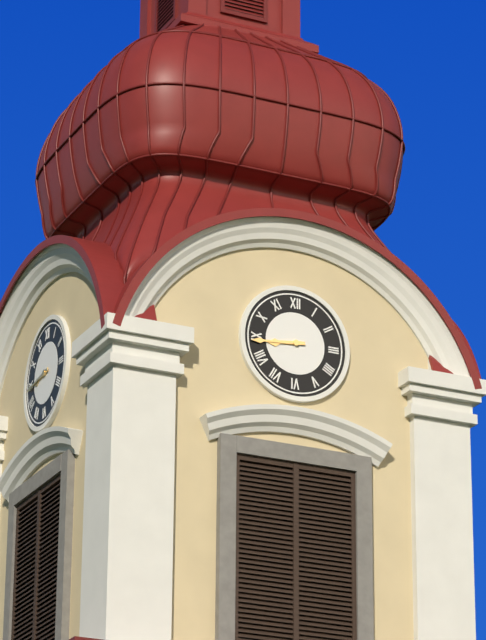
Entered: {"hour": 8, "minute": 44}
